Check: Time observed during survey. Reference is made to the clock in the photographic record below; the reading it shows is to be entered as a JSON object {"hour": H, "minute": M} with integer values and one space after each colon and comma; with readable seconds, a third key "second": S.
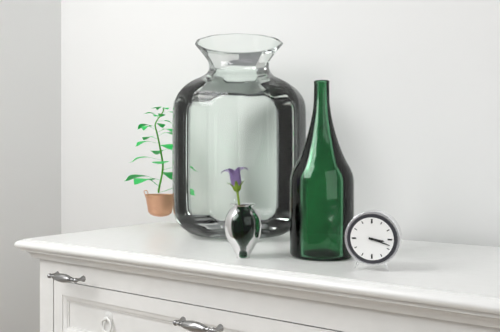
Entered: {"hour": 3, "minute": 18}
